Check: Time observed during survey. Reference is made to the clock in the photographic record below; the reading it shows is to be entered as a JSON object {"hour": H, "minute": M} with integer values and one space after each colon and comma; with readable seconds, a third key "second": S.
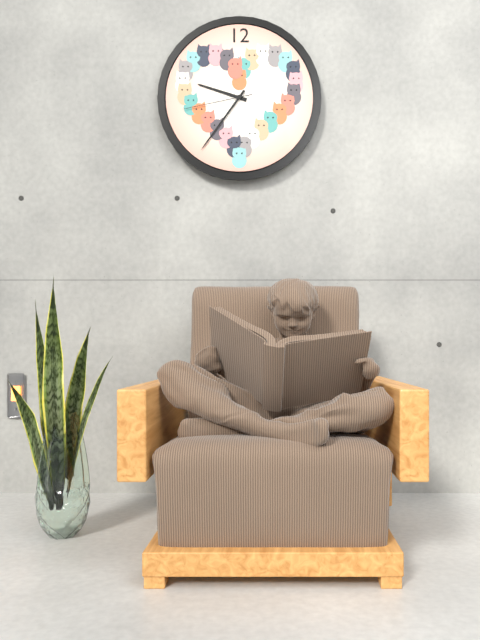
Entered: {"hour": 9, "minute": 36, "second": 43}
